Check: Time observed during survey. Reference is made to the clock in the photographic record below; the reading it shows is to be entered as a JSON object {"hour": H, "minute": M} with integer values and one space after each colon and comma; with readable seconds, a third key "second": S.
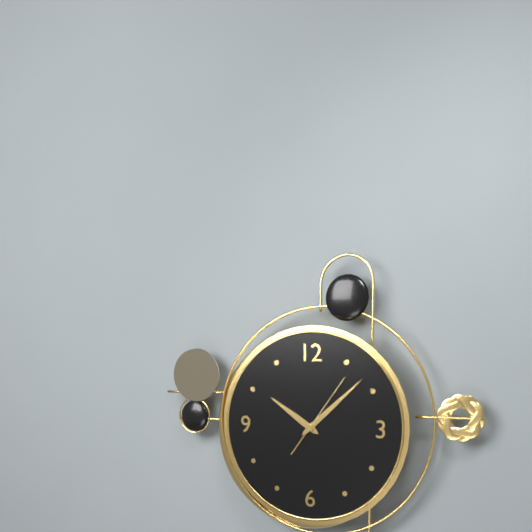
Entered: {"hour": 10, "minute": 8, "second": 6}
